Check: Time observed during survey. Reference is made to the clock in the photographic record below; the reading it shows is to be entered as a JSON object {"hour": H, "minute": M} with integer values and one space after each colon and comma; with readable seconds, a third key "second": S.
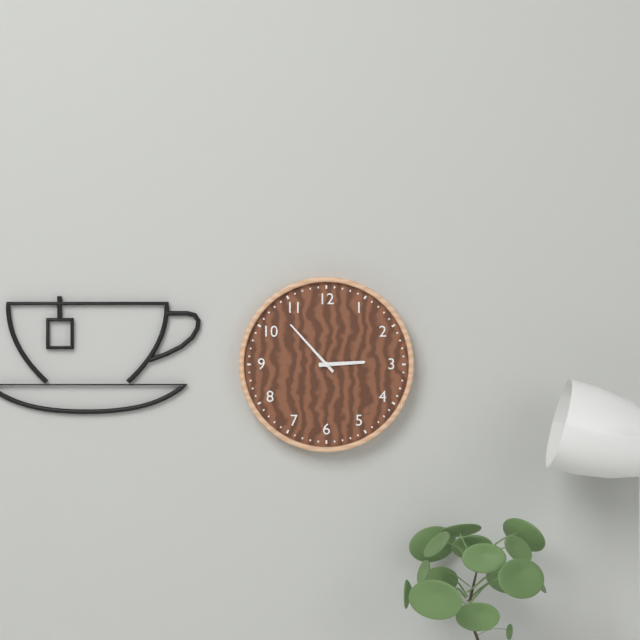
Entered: {"hour": 2, "minute": 53}
